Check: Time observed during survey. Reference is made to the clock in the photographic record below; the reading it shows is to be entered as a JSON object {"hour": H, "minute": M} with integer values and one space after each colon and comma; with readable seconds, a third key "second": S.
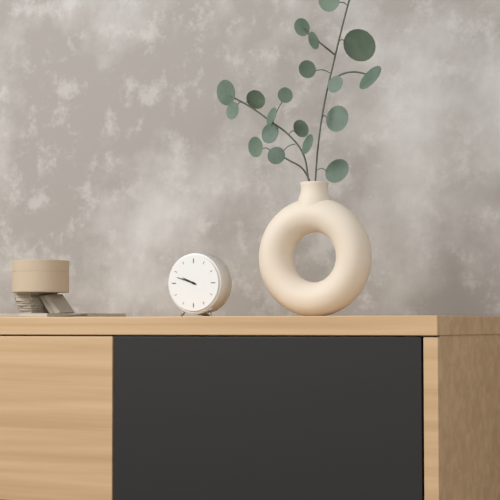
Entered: {"hour": 9, "minute": 48}
